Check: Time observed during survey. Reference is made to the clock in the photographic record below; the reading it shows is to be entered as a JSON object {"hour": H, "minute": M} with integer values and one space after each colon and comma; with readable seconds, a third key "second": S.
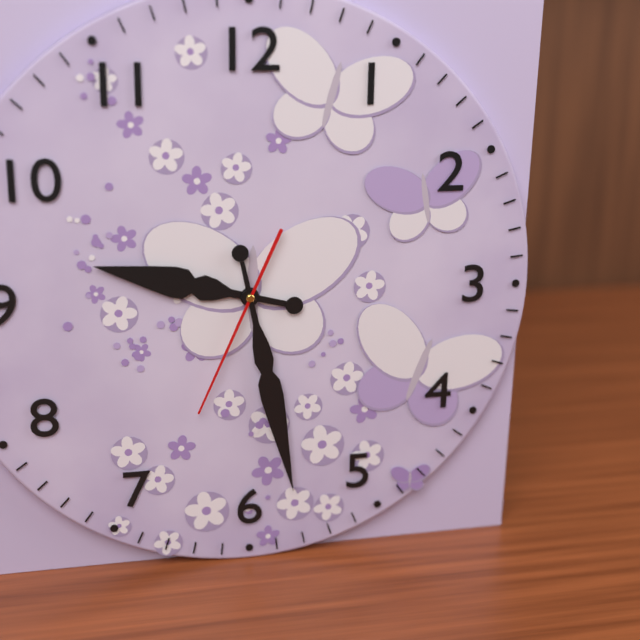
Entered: {"hour": 9, "minute": 28, "second": 34}
